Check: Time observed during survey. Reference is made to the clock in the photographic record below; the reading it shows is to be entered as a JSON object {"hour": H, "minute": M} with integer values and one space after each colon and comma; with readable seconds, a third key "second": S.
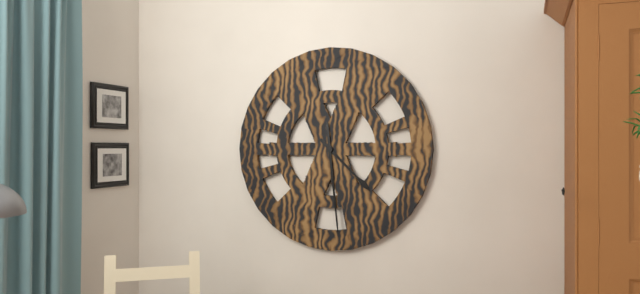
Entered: {"hour": 4, "minute": 29}
